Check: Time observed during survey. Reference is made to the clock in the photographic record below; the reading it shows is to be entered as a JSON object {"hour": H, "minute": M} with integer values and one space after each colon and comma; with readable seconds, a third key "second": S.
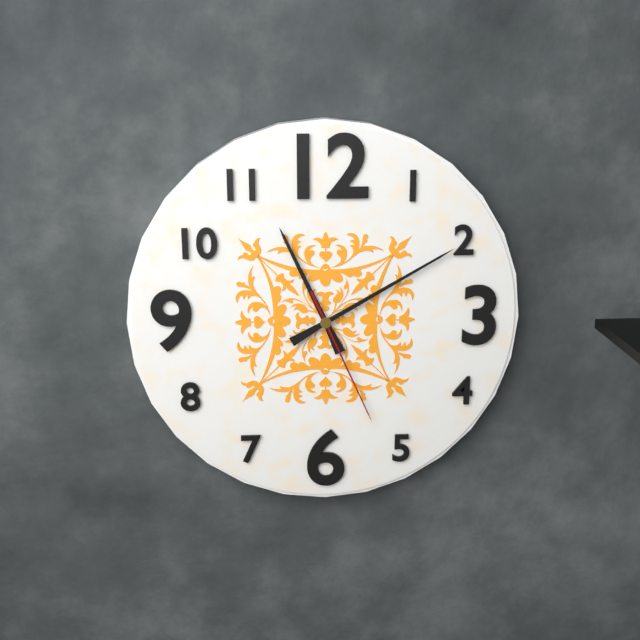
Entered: {"hour": 11, "minute": 10, "second": 26}
